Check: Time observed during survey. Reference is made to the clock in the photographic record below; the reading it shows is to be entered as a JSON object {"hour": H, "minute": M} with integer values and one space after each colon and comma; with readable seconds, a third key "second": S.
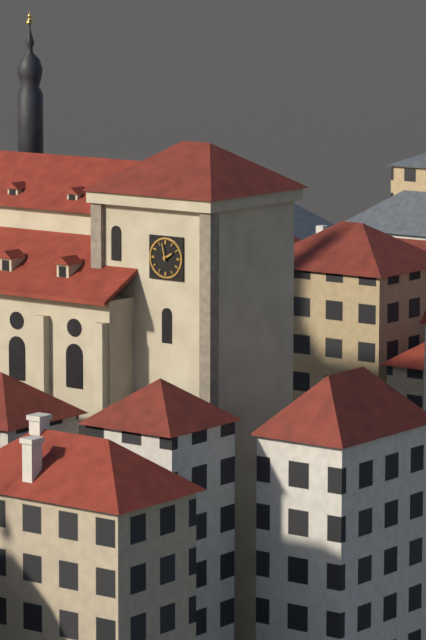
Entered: {"hour": 1, "minute": 58}
